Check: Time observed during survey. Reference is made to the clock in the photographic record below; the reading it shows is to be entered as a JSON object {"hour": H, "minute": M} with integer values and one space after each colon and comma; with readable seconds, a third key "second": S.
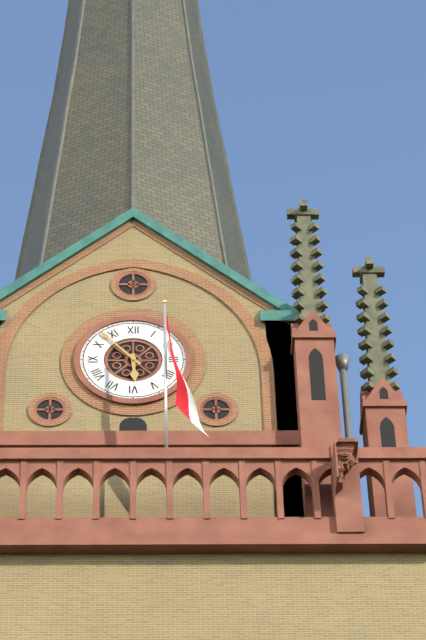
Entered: {"hour": 5, "minute": 53}
